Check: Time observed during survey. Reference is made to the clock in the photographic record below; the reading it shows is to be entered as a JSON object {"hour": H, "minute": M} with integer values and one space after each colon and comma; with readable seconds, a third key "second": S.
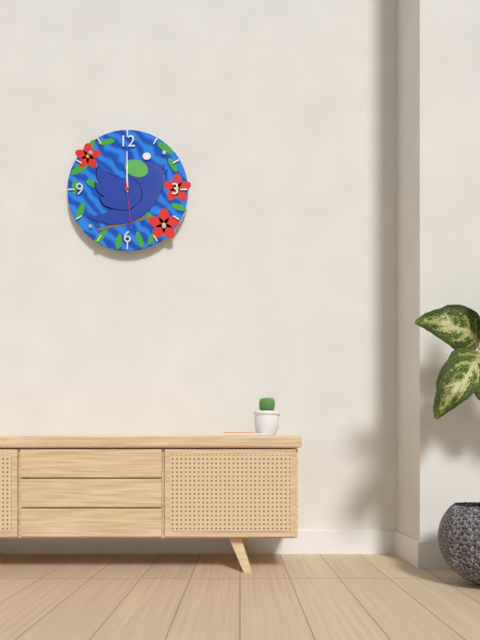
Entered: {"hour": 12, "minute": 0, "second": 29}
